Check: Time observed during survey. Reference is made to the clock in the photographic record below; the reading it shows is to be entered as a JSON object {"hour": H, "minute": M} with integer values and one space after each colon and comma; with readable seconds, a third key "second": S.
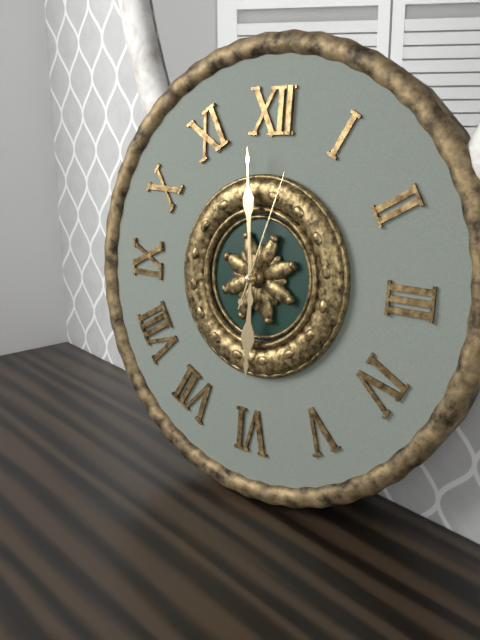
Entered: {"hour": 5, "minute": 59, "second": 3}
